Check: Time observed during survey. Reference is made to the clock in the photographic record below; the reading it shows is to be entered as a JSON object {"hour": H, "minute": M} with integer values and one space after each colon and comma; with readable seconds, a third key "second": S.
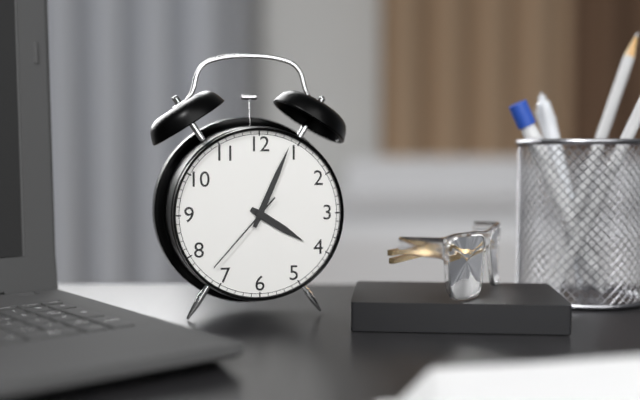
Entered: {"hour": 4, "minute": 4, "second": 37}
